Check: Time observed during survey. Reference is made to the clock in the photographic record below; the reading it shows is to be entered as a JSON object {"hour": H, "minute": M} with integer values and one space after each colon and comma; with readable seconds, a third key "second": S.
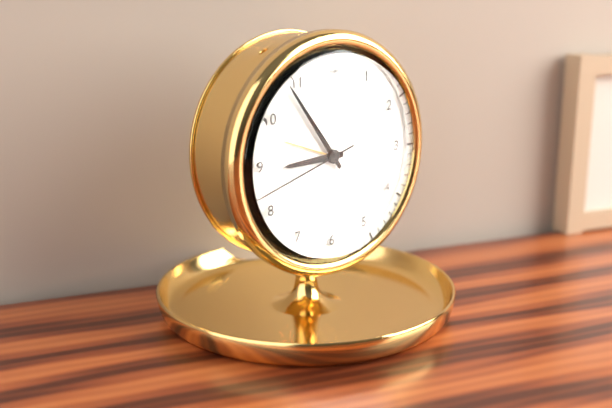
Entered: {"hour": 8, "minute": 54, "second": 42}
